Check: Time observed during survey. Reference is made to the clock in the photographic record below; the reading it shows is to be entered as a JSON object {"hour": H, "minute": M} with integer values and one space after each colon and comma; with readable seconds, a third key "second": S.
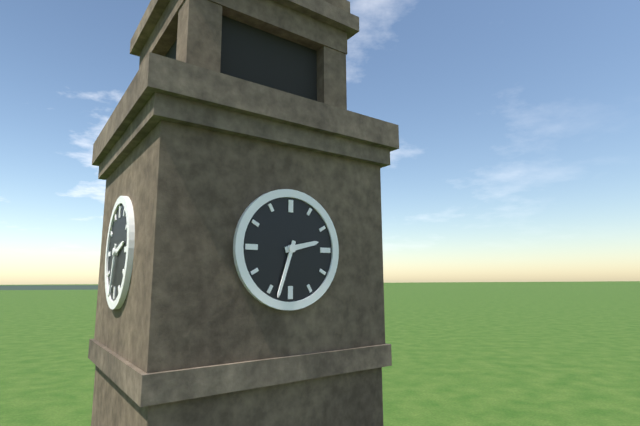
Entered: {"hour": 2, "minute": 33}
